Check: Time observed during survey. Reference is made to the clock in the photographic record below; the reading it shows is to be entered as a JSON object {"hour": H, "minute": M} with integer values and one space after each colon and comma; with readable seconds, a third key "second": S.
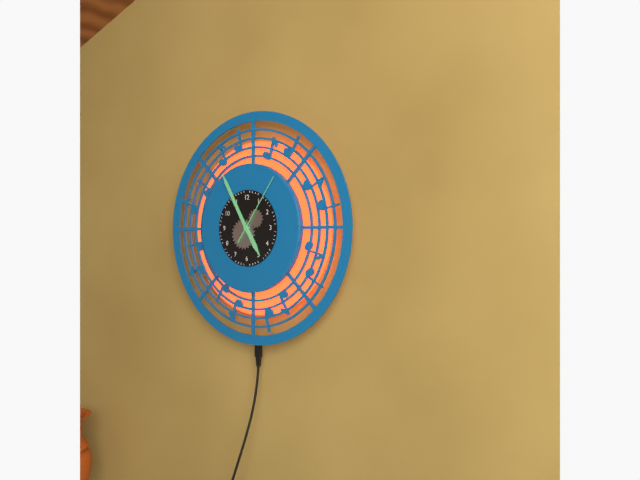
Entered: {"hour": 4, "minute": 55, "second": 6}
